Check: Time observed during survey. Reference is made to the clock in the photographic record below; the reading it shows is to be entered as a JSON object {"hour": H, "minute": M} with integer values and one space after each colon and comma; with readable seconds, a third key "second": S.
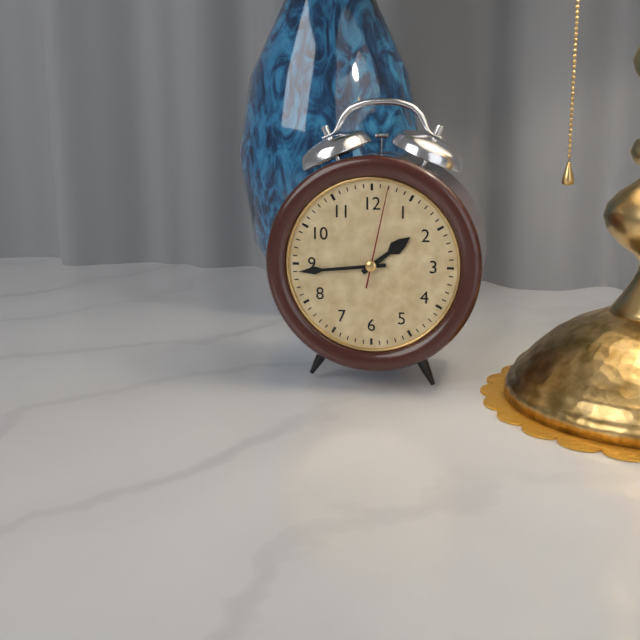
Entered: {"hour": 1, "minute": 44, "second": 2}
